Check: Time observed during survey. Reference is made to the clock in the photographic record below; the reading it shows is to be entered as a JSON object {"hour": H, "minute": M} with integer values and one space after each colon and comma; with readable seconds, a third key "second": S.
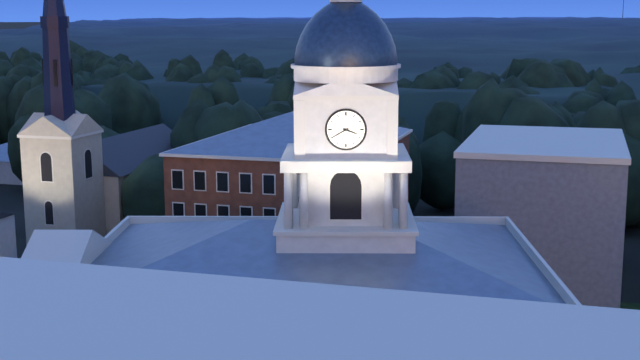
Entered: {"hour": 3, "minute": 40}
